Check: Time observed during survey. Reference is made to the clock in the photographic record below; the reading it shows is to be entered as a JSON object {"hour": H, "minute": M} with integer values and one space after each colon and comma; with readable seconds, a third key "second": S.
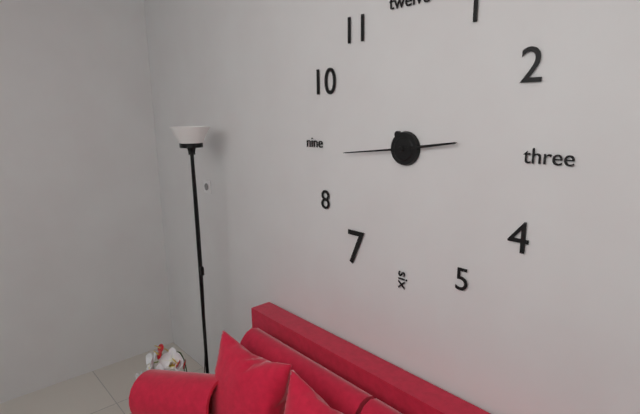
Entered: {"hour": 2, "minute": 44}
